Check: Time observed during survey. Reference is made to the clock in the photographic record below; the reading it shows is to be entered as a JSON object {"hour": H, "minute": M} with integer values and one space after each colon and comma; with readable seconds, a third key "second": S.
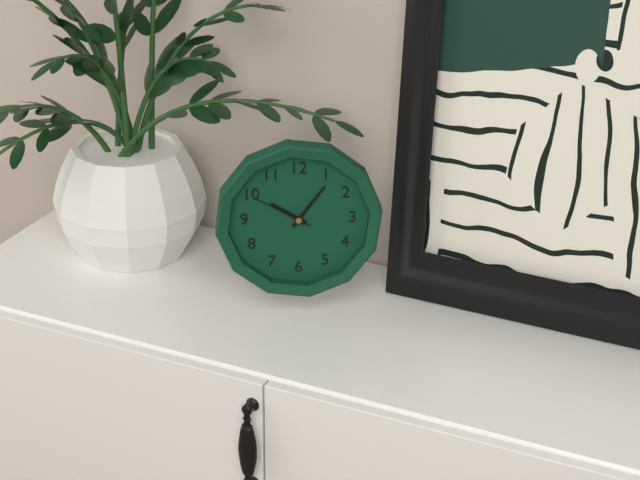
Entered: {"hour": 10, "minute": 6, "second": 50}
